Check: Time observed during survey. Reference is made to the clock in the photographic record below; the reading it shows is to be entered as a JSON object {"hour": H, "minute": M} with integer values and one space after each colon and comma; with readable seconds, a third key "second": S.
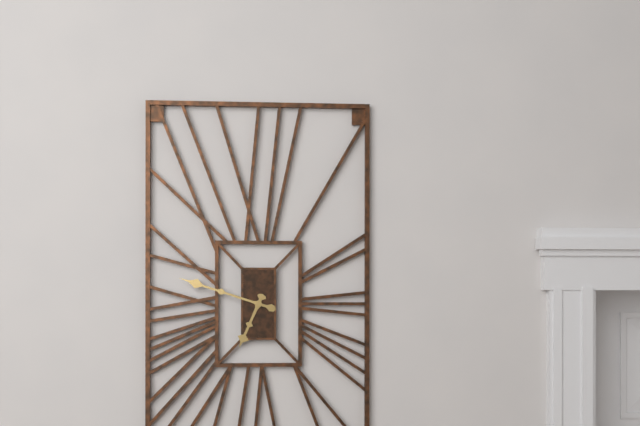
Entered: {"hour": 6, "minute": 48}
